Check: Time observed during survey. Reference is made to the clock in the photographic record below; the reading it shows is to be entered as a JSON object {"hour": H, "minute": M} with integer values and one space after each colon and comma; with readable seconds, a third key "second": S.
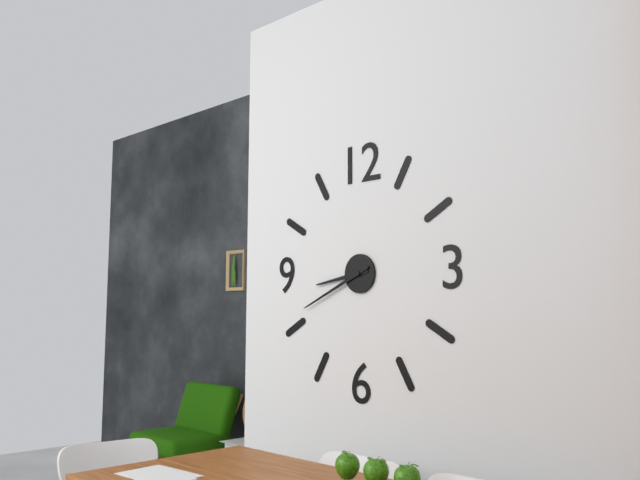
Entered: {"hour": 8, "minute": 41}
